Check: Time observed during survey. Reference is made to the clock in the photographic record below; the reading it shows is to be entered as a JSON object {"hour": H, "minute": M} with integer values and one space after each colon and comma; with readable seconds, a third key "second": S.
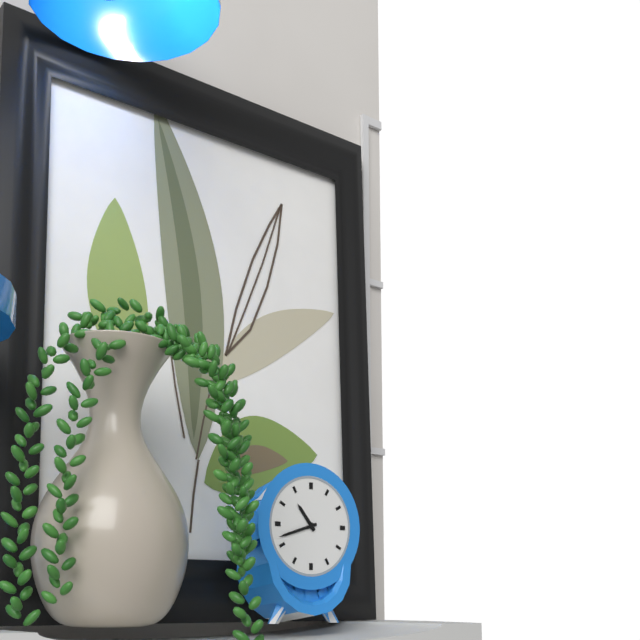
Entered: {"hour": 10, "minute": 42}
